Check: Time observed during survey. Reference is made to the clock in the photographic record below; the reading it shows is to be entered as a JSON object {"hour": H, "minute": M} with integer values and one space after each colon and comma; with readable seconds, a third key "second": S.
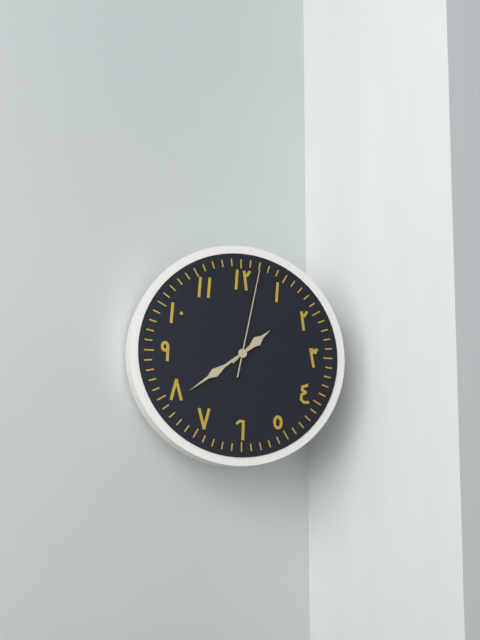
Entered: {"hour": 1, "minute": 39, "second": 2}
